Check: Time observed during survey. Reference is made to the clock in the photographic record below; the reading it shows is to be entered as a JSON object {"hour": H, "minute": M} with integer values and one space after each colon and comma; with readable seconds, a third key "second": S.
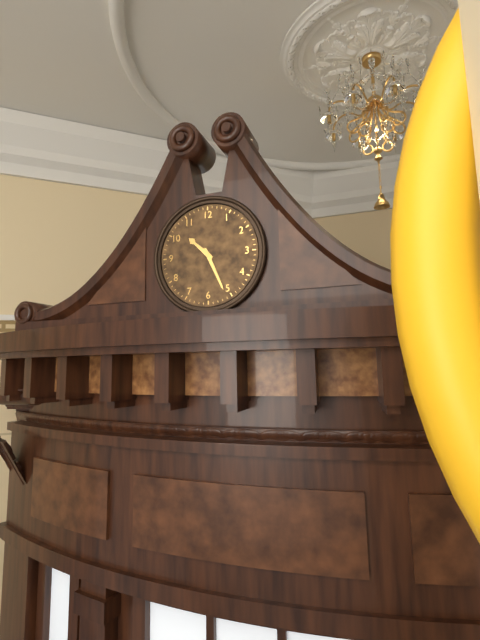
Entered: {"hour": 10, "minute": 26}
